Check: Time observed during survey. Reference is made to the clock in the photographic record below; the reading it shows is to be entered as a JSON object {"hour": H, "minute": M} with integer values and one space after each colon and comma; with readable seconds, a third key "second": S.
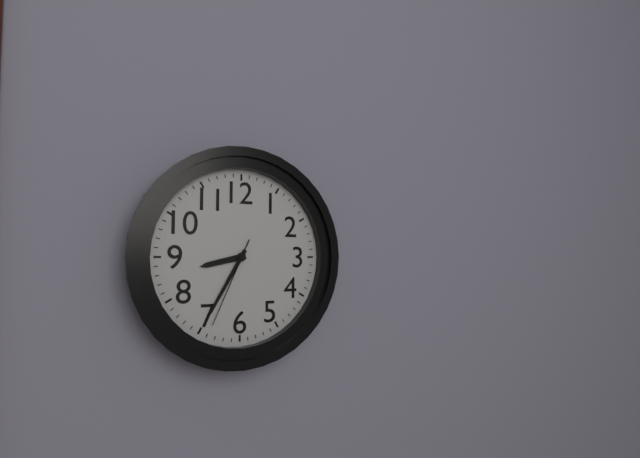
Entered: {"hour": 8, "minute": 35, "second": 34}
